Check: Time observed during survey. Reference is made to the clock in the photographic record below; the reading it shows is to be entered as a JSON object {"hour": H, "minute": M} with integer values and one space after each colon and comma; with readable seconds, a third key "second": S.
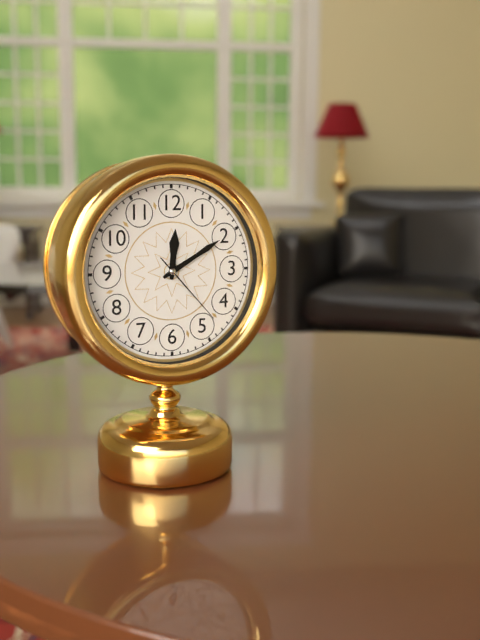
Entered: {"hour": 12, "minute": 10, "second": 23}
